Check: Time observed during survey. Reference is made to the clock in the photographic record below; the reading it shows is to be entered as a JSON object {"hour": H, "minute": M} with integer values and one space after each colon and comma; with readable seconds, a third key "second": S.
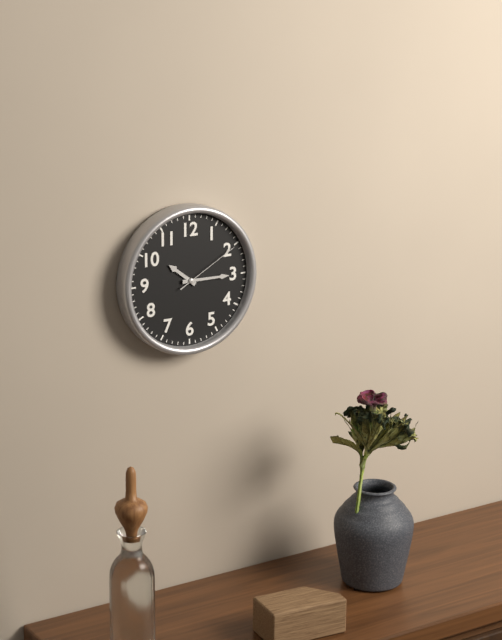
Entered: {"hour": 10, "minute": 15, "second": 10}
